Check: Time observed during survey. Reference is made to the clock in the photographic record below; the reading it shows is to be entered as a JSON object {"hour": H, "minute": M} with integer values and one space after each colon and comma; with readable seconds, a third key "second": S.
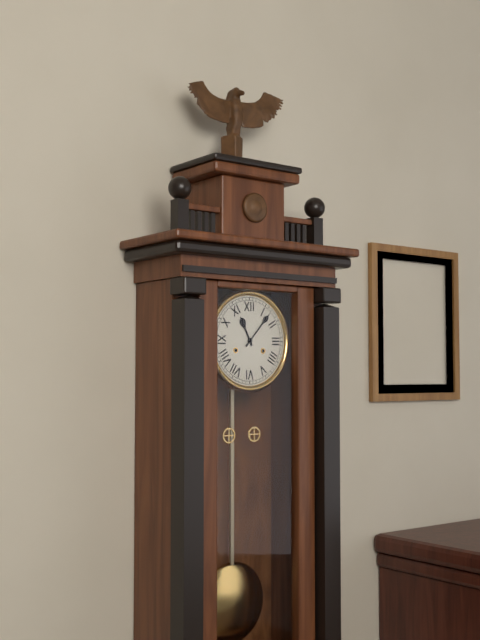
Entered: {"hour": 11, "minute": 7}
